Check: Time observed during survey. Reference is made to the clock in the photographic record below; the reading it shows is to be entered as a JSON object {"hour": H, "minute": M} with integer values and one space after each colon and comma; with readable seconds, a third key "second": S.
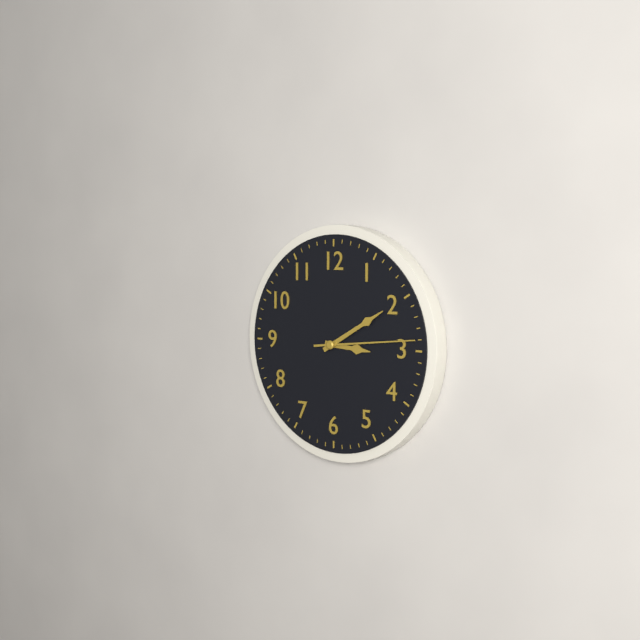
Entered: {"hour": 3, "minute": 10, "second": 14}
